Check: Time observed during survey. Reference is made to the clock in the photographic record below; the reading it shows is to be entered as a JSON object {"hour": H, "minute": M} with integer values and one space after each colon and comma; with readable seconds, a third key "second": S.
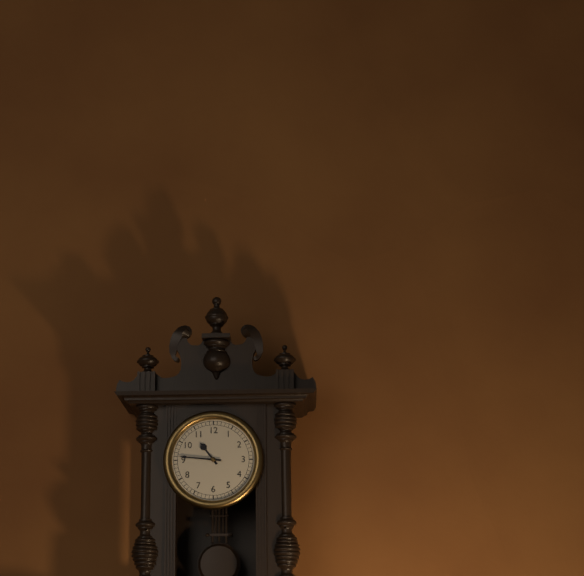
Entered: {"hour": 10, "minute": 46}
